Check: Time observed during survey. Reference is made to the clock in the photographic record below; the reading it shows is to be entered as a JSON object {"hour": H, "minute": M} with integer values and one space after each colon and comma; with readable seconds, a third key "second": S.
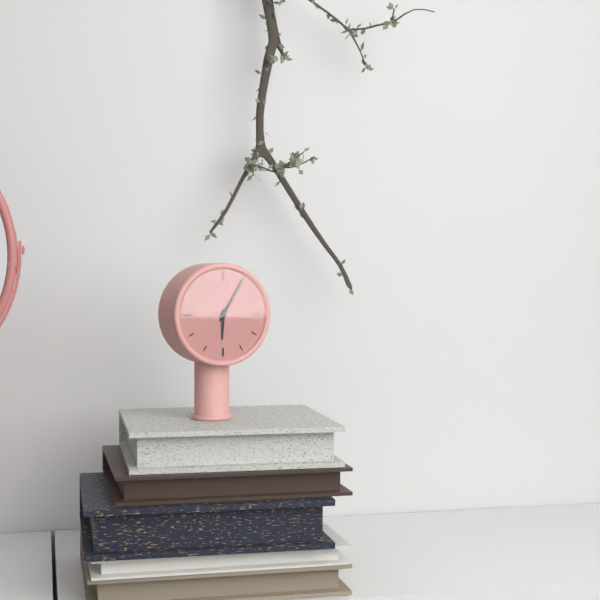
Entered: {"hour": 6, "minute": 5}
